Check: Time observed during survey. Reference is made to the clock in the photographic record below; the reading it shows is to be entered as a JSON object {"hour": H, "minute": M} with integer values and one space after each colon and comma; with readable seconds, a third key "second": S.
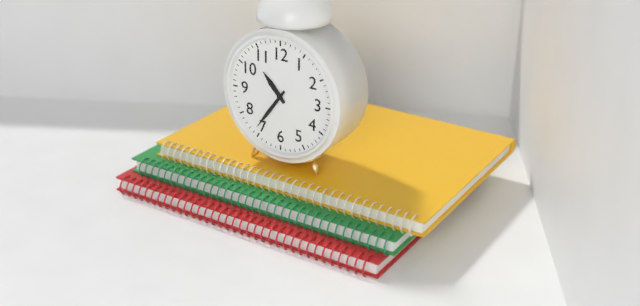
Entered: {"hour": 10, "minute": 36}
